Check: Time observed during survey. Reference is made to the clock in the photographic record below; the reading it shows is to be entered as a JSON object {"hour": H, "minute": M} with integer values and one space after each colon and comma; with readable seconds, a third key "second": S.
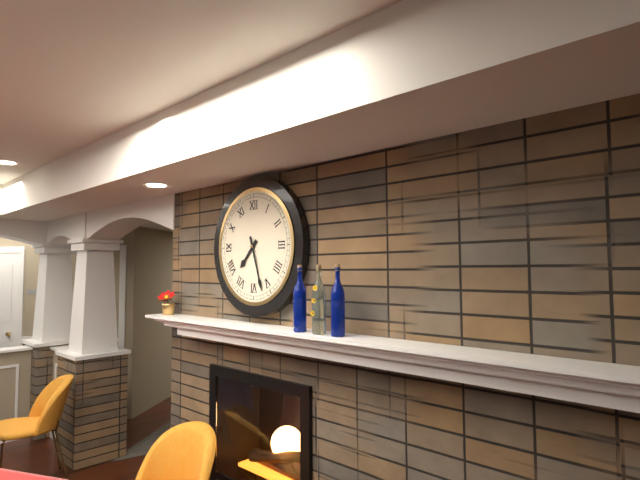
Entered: {"hour": 7, "minute": 27}
